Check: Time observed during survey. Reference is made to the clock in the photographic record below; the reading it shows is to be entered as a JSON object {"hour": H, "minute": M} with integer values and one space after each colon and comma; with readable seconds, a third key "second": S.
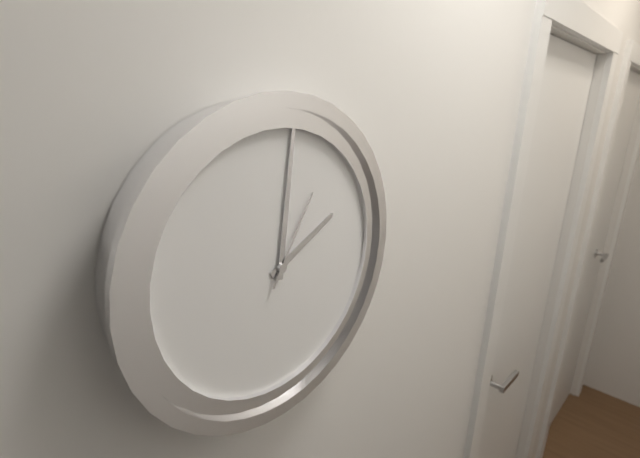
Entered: {"hour": 2, "minute": 1, "second": 5}
